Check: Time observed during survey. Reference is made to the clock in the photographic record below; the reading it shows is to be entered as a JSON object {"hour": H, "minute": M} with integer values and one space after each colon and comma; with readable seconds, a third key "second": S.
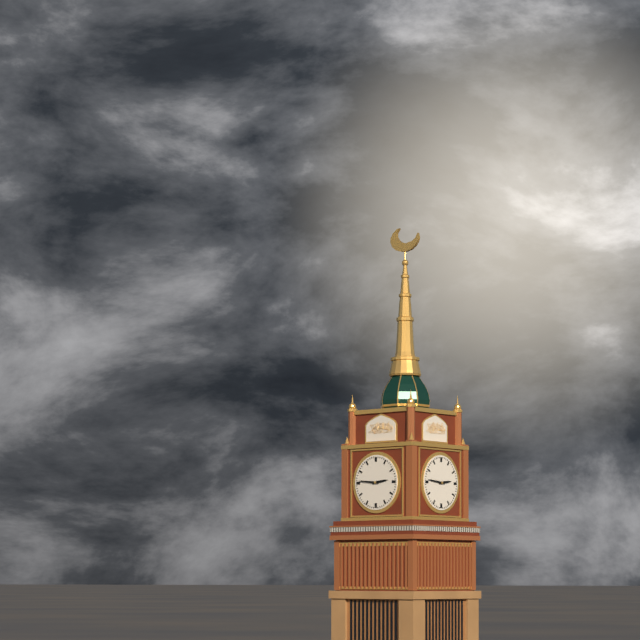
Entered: {"hour": 2, "minute": 46}
